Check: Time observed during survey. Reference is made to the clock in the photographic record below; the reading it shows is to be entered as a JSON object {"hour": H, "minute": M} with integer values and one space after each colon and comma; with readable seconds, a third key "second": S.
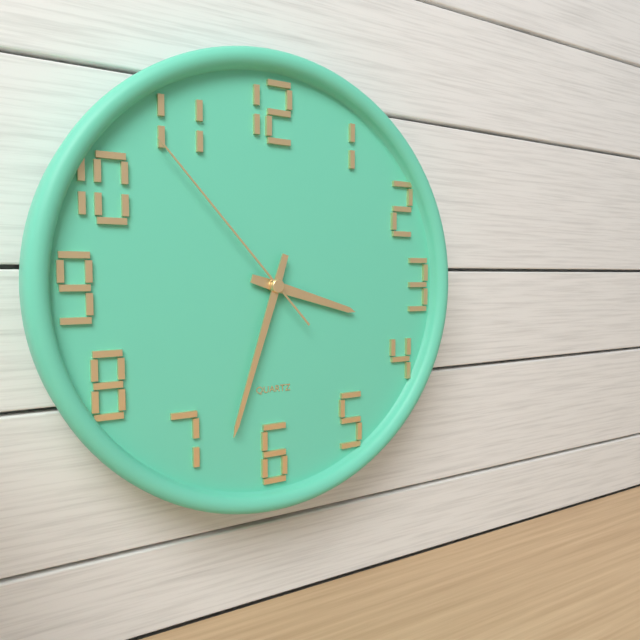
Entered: {"hour": 3, "minute": 33, "second": 53}
